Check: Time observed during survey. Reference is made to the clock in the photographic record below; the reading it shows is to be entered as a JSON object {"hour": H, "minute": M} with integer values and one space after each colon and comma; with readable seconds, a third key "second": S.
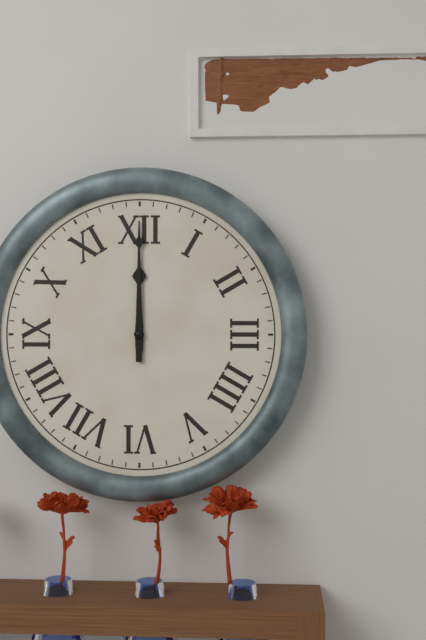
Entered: {"hour": 12, "minute": 0}
